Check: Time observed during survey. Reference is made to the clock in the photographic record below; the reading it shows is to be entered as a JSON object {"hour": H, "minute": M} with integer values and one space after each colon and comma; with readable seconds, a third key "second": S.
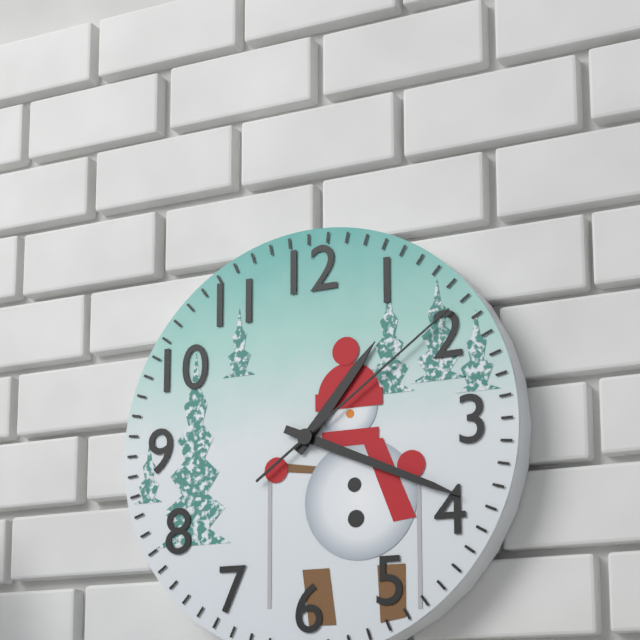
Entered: {"hour": 1, "minute": 19, "second": 9}
